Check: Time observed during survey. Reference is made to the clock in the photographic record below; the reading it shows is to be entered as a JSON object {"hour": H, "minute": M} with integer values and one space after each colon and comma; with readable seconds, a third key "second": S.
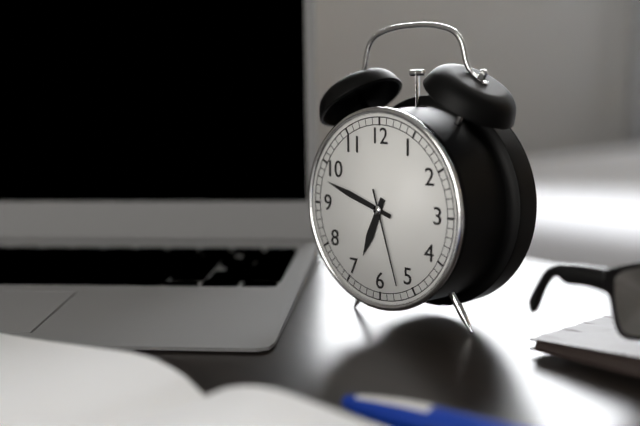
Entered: {"hour": 6, "minute": 48, "second": 27}
